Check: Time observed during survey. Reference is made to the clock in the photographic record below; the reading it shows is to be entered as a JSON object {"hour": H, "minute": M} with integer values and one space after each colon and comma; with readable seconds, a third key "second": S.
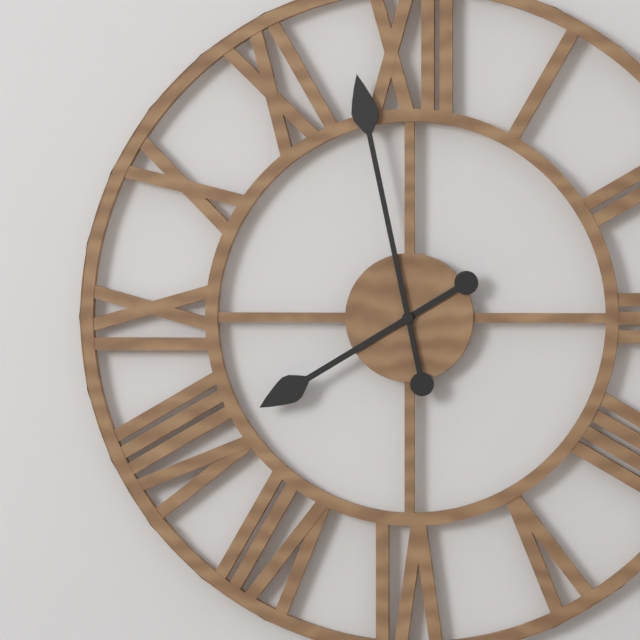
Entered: {"hour": 7, "minute": 58}
